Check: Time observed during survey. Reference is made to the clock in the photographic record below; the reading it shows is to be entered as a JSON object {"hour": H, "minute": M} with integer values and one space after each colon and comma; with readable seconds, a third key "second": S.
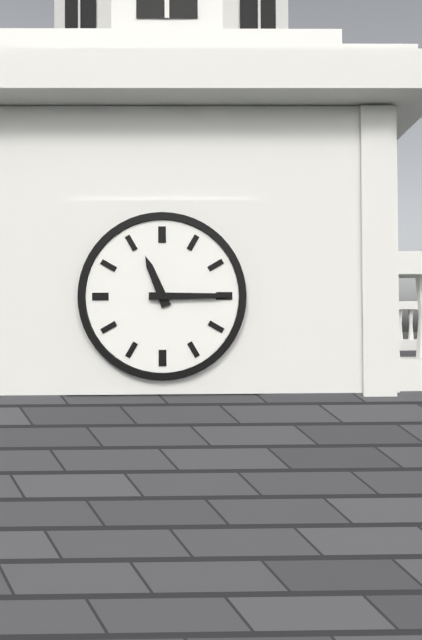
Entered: {"hour": 11, "minute": 15}
